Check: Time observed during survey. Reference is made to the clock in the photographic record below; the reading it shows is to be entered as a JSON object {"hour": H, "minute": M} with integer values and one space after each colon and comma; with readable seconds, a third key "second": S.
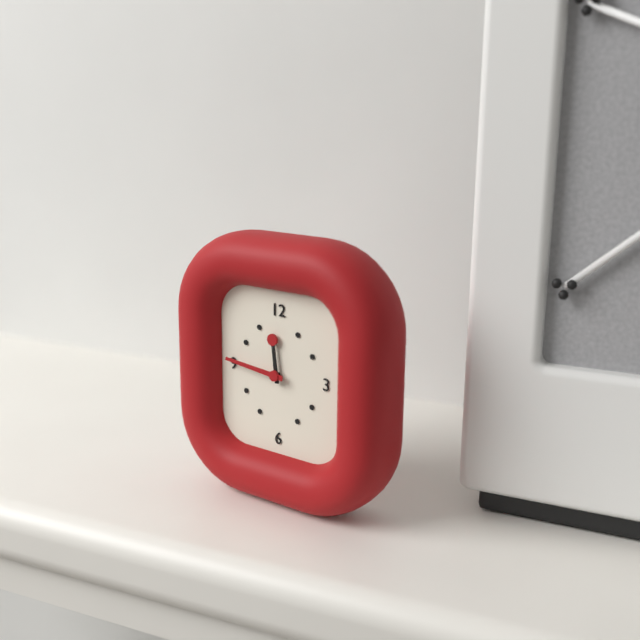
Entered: {"hour": 11, "minute": 46}
